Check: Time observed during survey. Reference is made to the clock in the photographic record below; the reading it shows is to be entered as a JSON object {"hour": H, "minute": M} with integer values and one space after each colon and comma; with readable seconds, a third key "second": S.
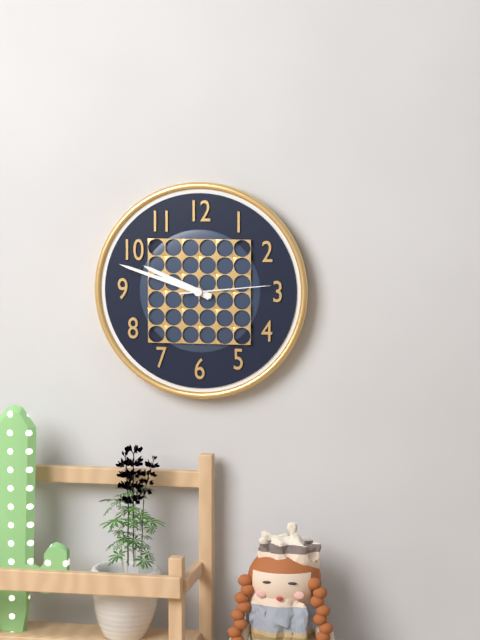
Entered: {"hour": 9, "minute": 48, "second": 14}
